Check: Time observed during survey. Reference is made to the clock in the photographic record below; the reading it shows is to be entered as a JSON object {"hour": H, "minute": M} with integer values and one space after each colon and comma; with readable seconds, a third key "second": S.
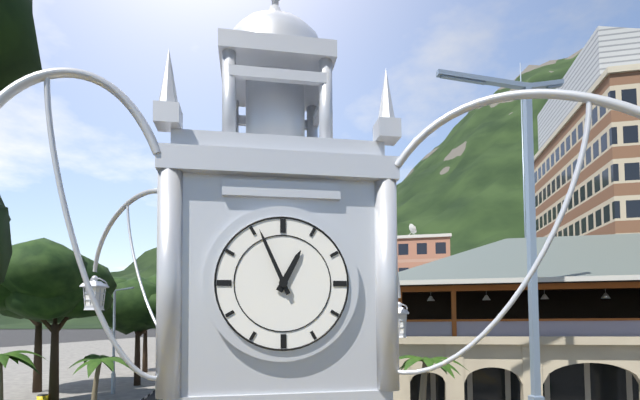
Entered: {"hour": 12, "minute": 56}
